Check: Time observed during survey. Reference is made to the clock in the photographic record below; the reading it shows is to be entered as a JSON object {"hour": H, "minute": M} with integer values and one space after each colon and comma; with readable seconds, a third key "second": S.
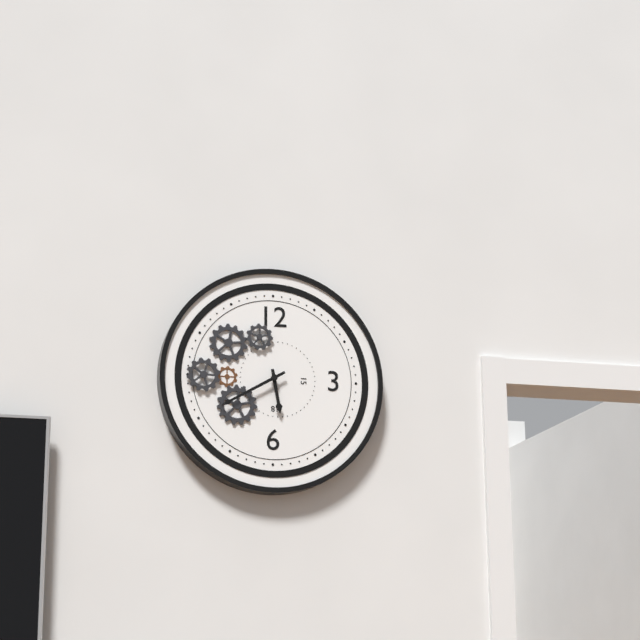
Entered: {"hour": 5, "minute": 40}
